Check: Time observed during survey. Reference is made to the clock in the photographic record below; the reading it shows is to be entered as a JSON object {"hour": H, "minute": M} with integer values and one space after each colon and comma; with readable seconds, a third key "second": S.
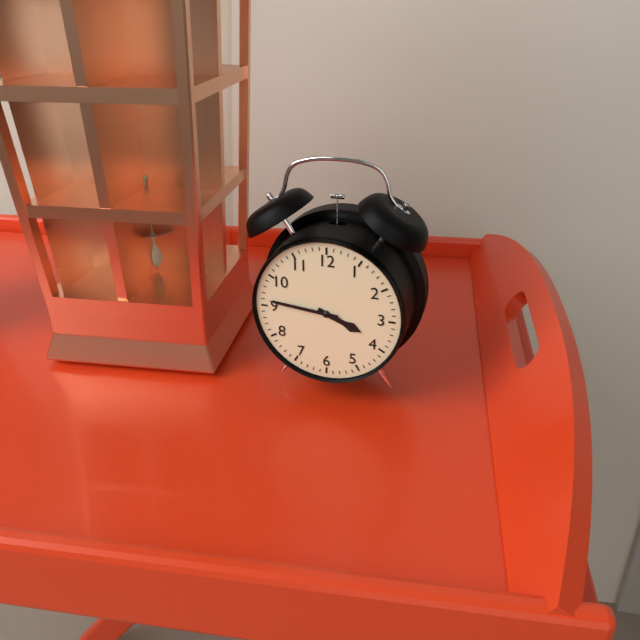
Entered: {"hour": 3, "minute": 46}
